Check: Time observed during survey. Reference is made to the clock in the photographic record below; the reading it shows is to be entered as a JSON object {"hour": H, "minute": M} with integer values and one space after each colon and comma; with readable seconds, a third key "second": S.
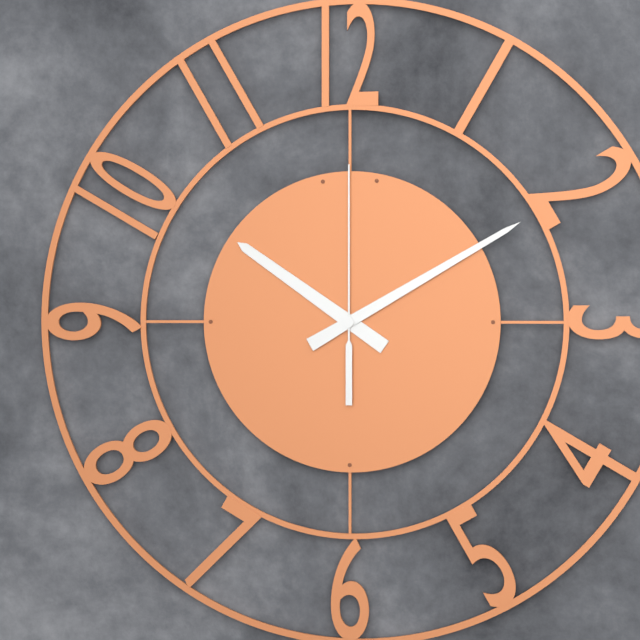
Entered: {"hour": 10, "minute": 10, "second": 0}
